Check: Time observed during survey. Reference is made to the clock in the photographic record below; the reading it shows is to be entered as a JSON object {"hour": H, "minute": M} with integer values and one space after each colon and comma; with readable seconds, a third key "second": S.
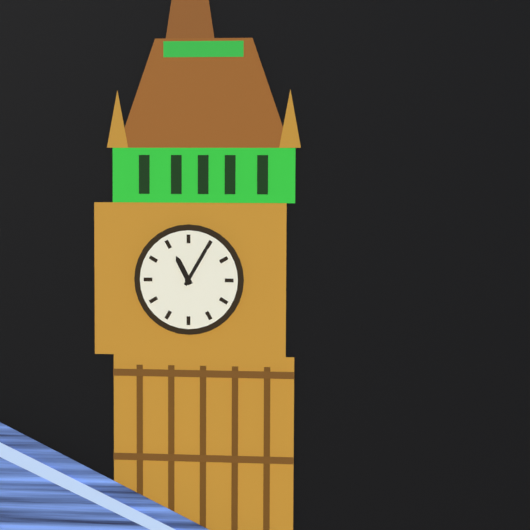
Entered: {"hour": 11, "minute": 5}
